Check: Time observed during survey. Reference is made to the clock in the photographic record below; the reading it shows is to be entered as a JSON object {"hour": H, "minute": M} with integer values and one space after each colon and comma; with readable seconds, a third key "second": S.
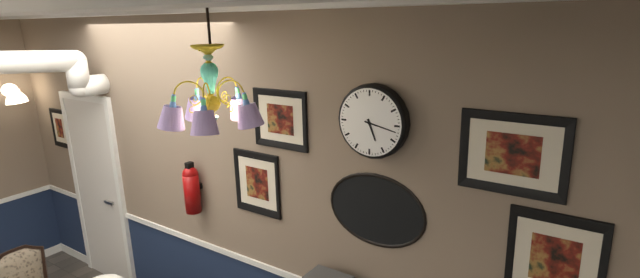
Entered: {"hour": 5, "minute": 17}
